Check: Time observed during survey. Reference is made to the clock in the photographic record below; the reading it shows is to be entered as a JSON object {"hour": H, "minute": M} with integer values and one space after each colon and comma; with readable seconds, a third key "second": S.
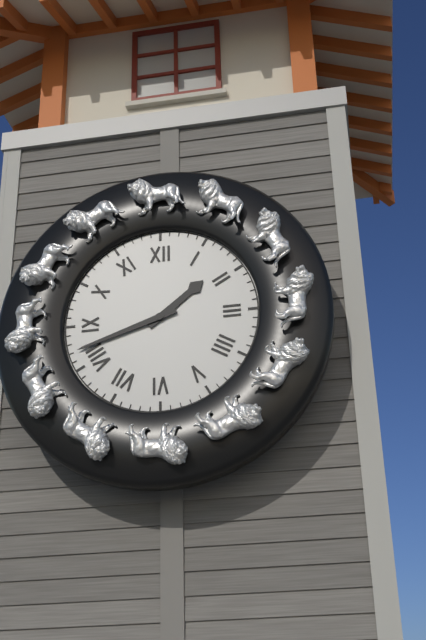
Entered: {"hour": 1, "minute": 42}
